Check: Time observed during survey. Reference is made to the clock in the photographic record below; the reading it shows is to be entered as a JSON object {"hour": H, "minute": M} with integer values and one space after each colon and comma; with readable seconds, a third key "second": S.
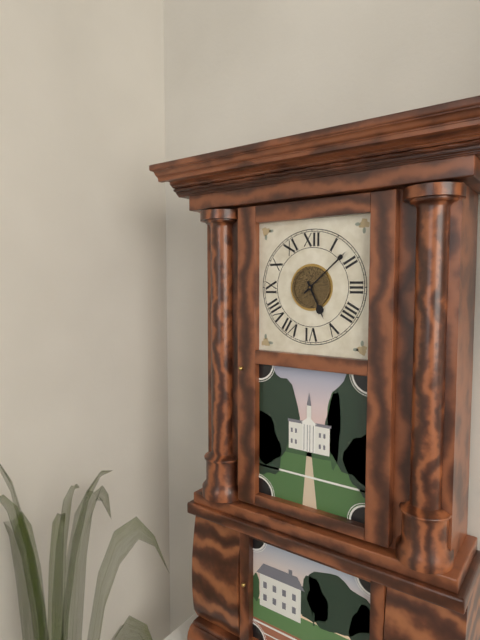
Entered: {"hour": 5, "minute": 8}
